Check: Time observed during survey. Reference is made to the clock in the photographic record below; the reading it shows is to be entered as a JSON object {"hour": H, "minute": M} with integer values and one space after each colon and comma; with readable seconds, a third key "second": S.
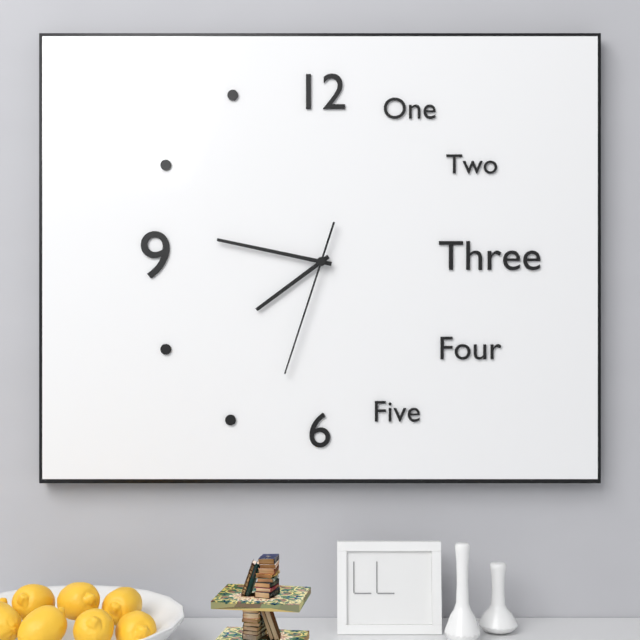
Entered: {"hour": 7, "minute": 47, "second": 33}
